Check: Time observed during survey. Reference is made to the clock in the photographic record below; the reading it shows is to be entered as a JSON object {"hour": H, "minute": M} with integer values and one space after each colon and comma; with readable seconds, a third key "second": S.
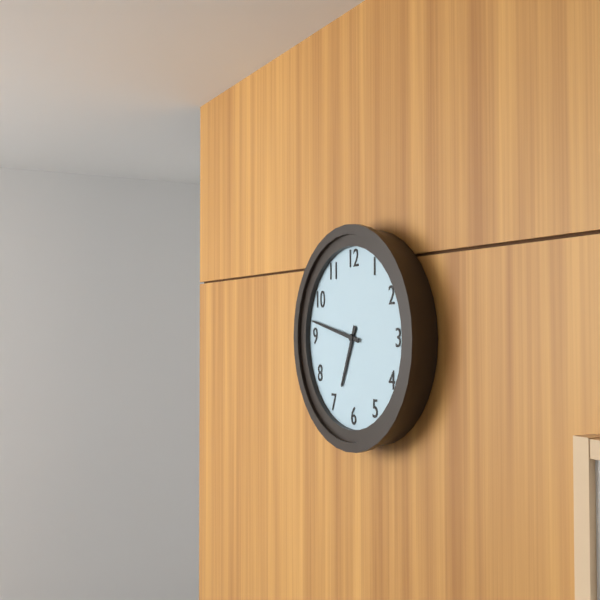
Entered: {"hour": 6, "minute": 47}
